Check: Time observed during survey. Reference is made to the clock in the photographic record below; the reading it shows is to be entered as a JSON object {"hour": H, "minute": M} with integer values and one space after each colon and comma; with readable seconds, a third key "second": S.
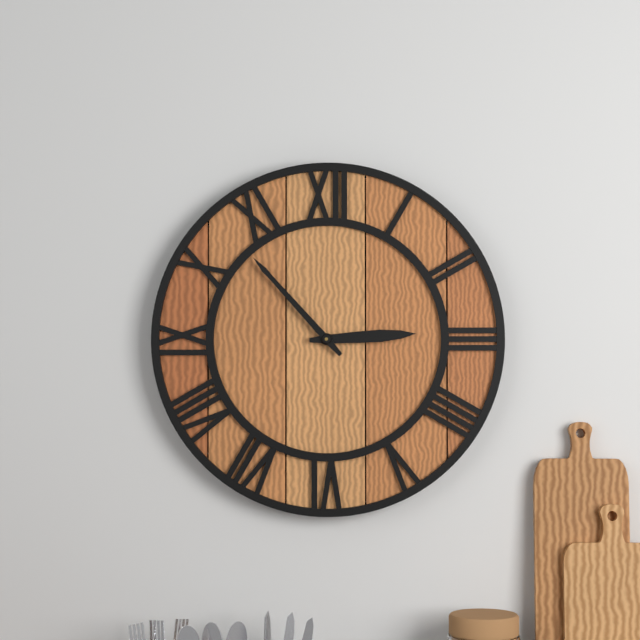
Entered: {"hour": 2, "minute": 53}
